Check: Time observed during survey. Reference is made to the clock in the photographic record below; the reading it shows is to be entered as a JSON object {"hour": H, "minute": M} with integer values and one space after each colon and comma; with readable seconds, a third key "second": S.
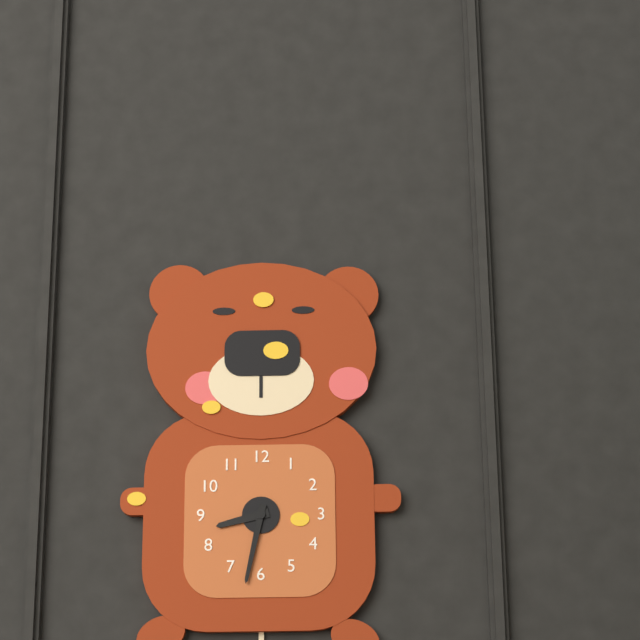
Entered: {"hour": 8, "minute": 32}
